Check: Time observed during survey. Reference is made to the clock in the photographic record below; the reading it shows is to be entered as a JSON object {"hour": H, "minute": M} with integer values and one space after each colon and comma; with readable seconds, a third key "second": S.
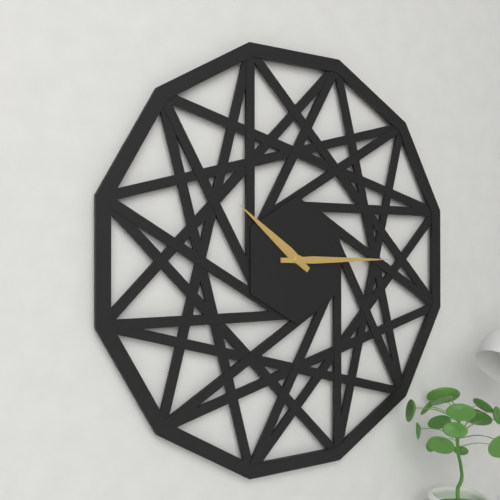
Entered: {"hour": 10, "minute": 15}
